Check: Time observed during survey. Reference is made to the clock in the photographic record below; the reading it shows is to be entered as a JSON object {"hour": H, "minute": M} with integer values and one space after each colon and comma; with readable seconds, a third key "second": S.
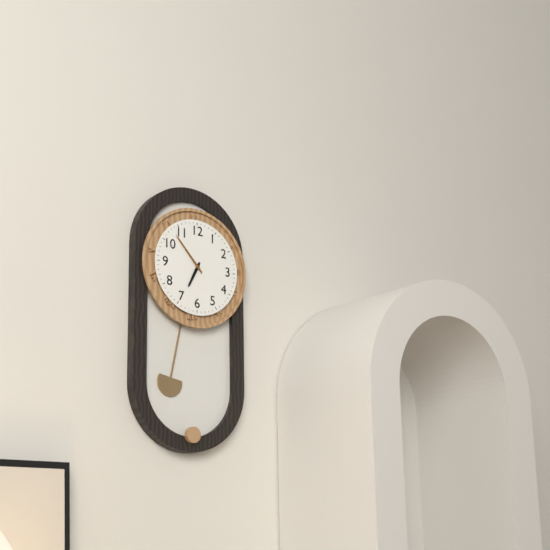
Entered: {"hour": 6, "minute": 53}
